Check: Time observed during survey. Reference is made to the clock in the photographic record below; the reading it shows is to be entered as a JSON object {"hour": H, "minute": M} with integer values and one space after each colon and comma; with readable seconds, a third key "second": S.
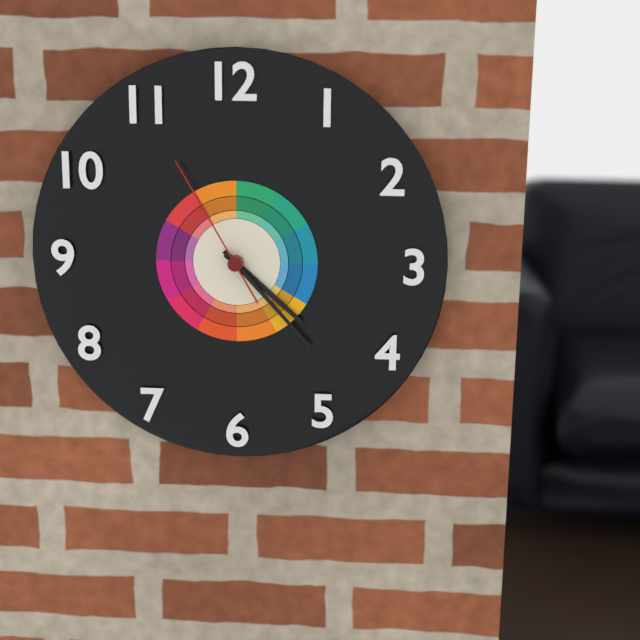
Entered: {"hour": 4, "minute": 23, "second": 55}
